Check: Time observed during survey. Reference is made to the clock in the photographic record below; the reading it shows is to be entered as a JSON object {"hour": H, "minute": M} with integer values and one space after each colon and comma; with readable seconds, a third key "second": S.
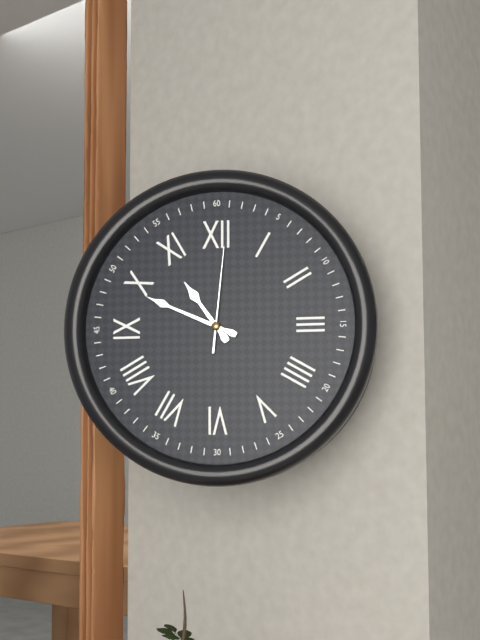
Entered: {"hour": 10, "minute": 49, "second": 1}
